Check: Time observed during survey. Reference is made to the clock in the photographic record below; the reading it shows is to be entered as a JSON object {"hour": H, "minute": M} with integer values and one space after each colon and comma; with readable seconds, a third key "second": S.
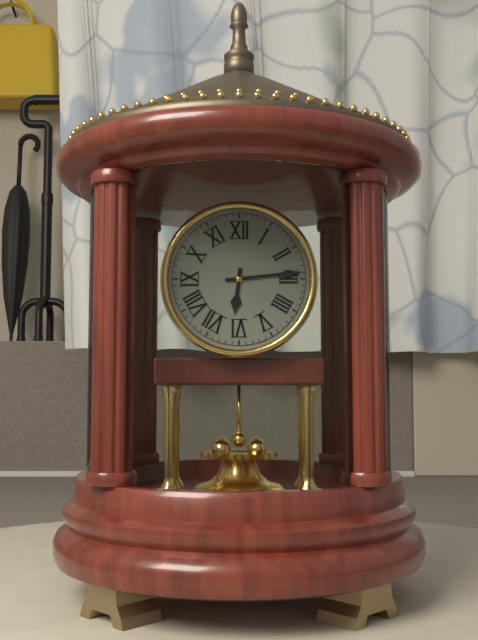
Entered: {"hour": 6, "minute": 14}
